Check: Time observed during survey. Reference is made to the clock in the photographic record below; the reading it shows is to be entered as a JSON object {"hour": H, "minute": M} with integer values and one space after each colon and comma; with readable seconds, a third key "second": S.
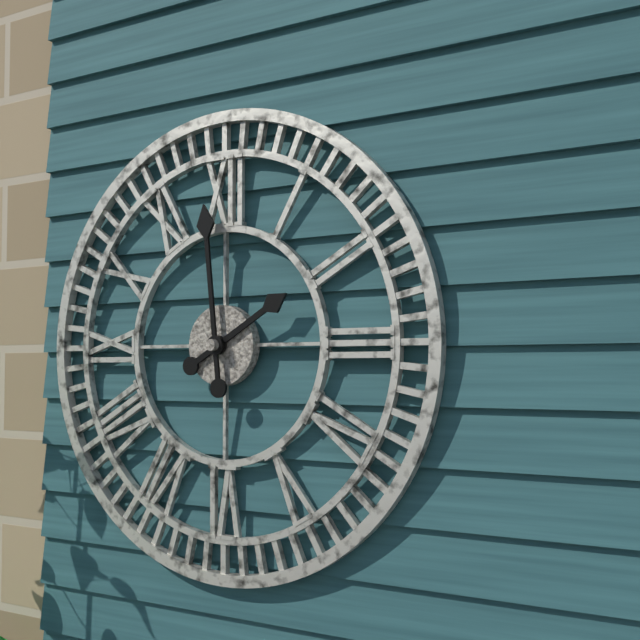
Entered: {"hour": 1, "minute": 59}
